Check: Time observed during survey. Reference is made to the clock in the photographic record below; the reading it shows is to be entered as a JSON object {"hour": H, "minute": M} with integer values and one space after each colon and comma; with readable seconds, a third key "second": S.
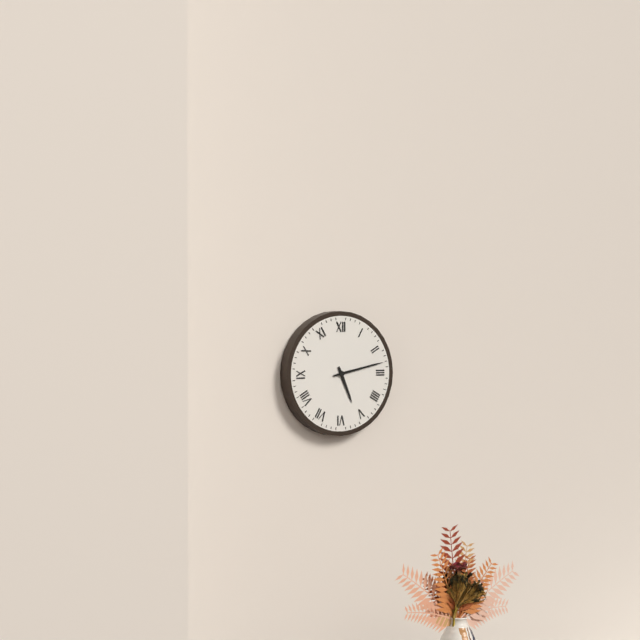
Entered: {"hour": 5, "minute": 13}
